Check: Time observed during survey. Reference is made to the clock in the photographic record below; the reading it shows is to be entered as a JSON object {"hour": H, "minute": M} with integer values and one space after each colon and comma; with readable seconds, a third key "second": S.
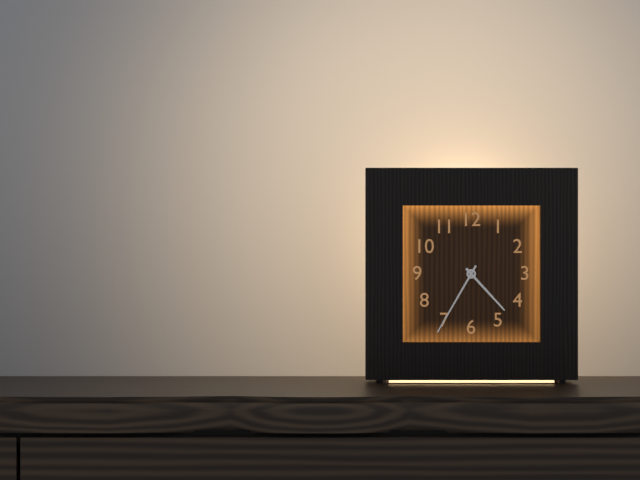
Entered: {"hour": 4, "minute": 35}
